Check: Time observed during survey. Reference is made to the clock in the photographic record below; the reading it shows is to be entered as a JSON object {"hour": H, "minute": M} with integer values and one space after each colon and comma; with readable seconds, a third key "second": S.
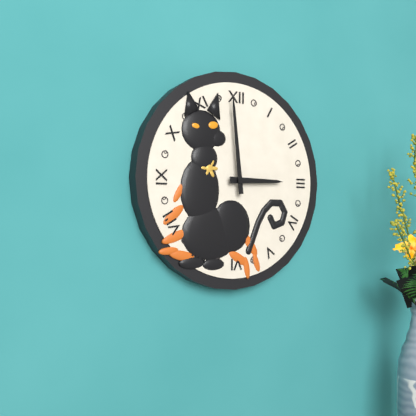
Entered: {"hour": 2, "minute": 59}
